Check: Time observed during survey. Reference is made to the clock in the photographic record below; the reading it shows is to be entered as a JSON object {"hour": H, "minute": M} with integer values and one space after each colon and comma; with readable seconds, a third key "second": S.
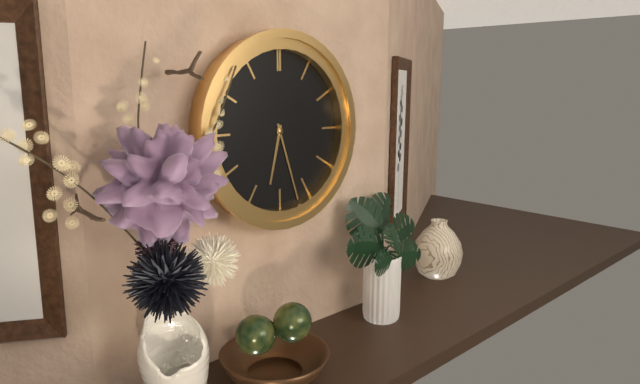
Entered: {"hour": 6, "minute": 27}
